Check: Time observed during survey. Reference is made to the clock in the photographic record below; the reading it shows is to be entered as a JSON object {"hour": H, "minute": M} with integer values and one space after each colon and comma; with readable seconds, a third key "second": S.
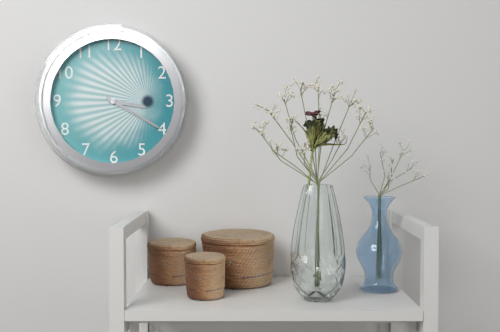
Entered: {"hour": 3, "minute": 20}
